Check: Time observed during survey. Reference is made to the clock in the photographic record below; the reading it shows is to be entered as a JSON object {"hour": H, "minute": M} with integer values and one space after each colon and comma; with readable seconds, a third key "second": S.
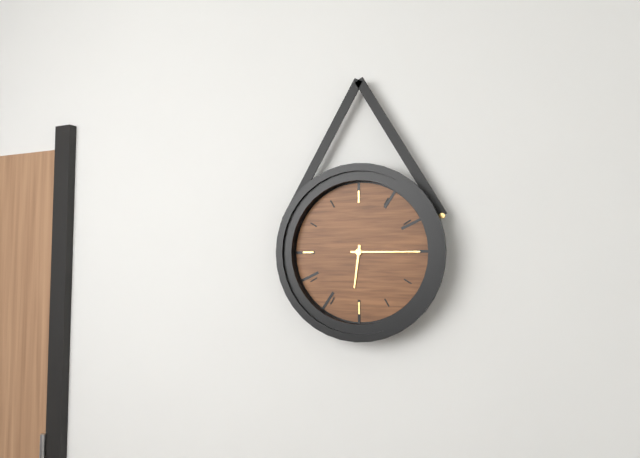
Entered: {"hour": 6, "minute": 15}
